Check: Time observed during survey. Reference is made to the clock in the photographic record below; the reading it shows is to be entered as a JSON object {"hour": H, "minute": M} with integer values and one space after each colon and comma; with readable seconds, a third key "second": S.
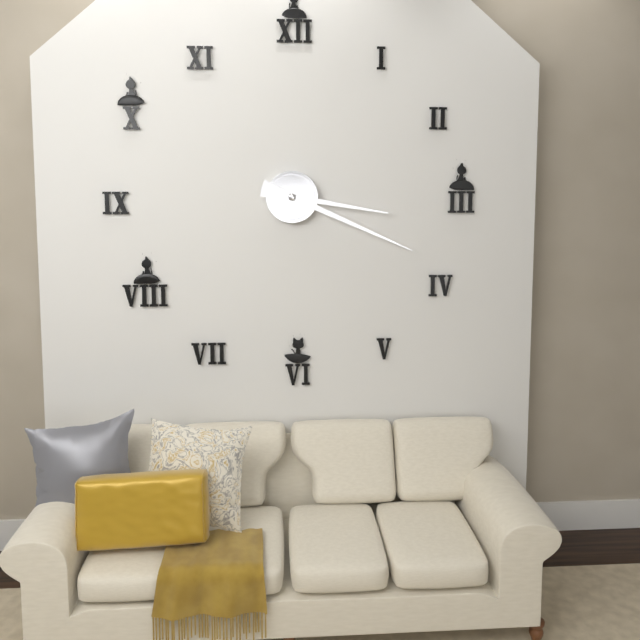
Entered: {"hour": 3, "minute": 19}
